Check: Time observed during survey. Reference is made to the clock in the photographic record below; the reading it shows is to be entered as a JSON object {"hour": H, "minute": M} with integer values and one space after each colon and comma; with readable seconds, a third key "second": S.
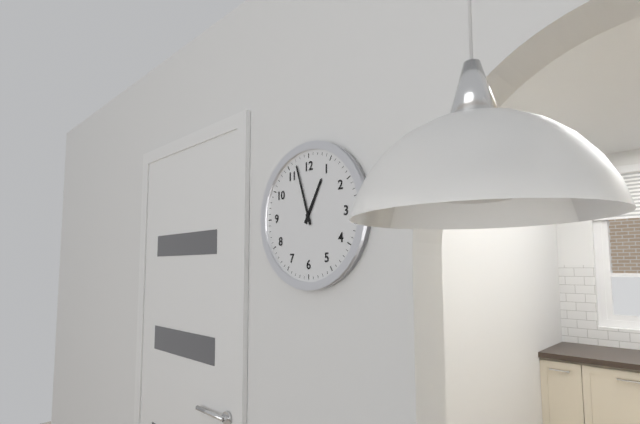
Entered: {"hour": 12, "minute": 57}
